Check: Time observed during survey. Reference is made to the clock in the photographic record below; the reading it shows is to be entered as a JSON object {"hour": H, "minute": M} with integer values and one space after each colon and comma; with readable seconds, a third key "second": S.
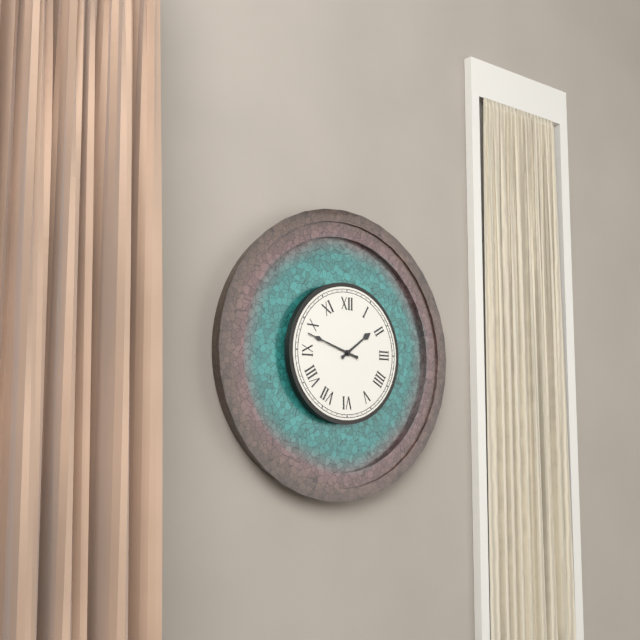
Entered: {"hour": 1, "minute": 48}
